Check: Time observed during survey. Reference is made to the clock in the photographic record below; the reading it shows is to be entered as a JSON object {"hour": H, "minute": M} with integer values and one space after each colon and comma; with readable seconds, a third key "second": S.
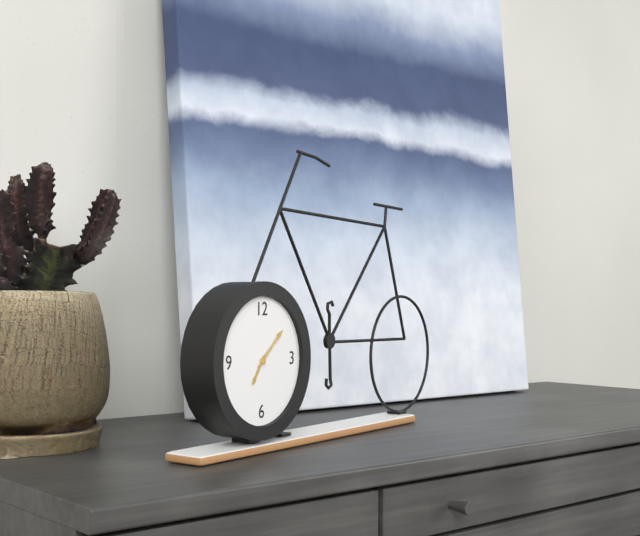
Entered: {"hour": 7, "minute": 8}
